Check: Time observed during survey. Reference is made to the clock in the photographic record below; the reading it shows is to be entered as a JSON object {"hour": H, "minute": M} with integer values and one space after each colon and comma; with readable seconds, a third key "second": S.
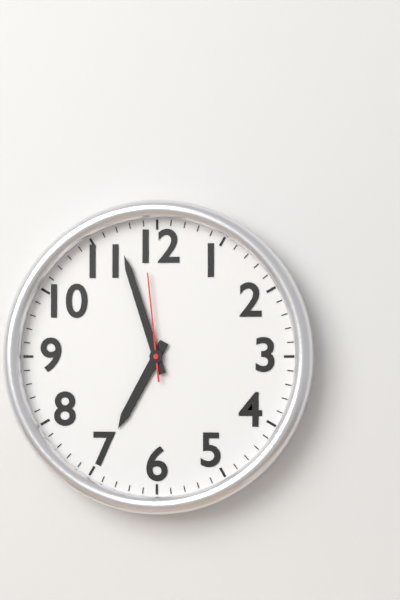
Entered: {"hour": 6, "minute": 57, "second": 59}
